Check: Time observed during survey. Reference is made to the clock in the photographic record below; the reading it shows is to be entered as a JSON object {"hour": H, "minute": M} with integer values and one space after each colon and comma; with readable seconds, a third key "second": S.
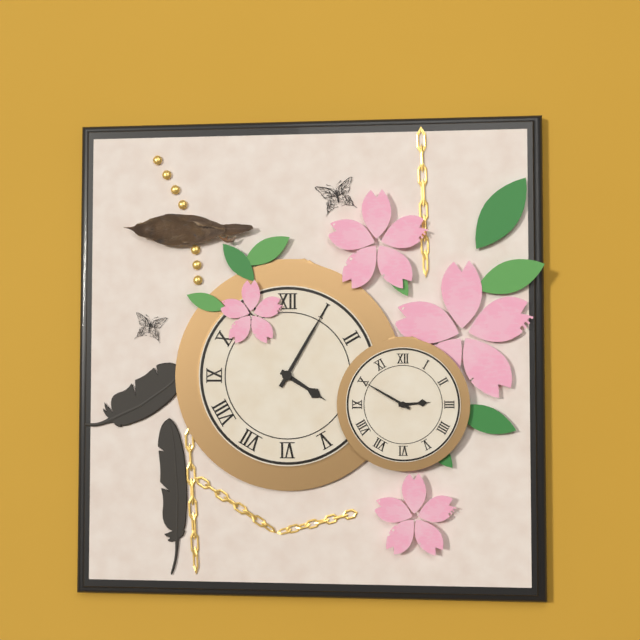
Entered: {"hour": 4, "minute": 5}
